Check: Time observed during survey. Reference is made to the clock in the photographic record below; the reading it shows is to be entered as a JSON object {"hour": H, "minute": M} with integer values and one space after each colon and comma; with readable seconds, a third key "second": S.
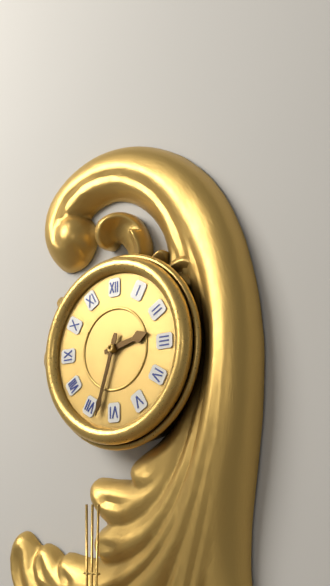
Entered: {"hour": 2, "minute": 33}
